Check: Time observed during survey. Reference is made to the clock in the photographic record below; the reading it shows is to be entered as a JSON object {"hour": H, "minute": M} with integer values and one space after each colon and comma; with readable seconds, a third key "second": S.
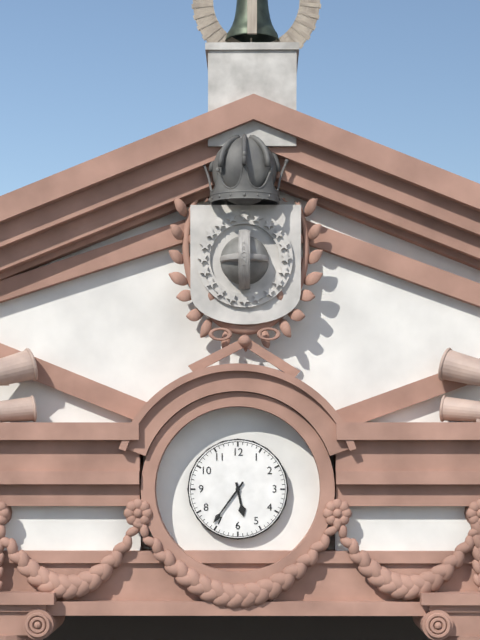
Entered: {"hour": 5, "minute": 36}
